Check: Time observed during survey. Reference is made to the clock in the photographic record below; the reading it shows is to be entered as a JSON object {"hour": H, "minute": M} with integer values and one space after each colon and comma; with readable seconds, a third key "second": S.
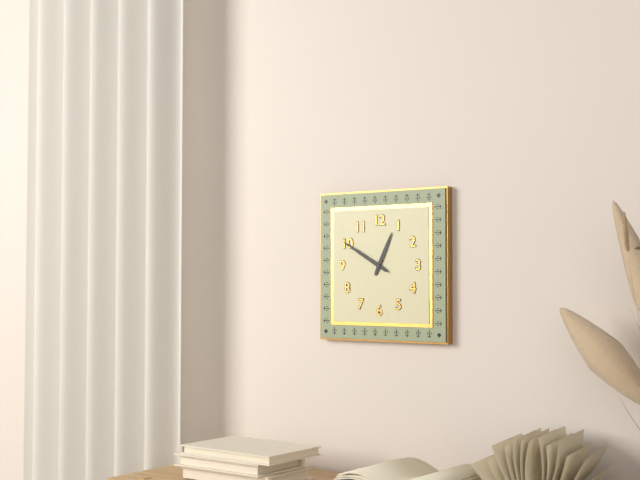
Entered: {"hour": 12, "minute": 50}
